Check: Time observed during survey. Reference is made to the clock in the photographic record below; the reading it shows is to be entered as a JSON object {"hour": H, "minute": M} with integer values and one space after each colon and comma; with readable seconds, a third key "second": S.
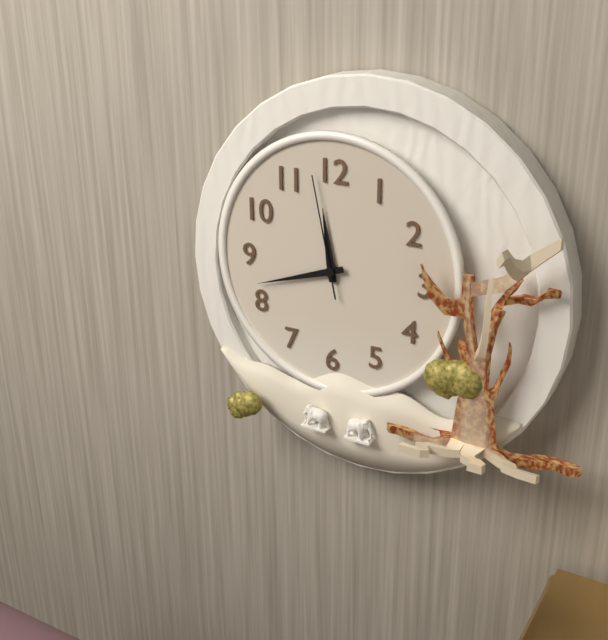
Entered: {"hour": 11, "minute": 42, "second": 58}
